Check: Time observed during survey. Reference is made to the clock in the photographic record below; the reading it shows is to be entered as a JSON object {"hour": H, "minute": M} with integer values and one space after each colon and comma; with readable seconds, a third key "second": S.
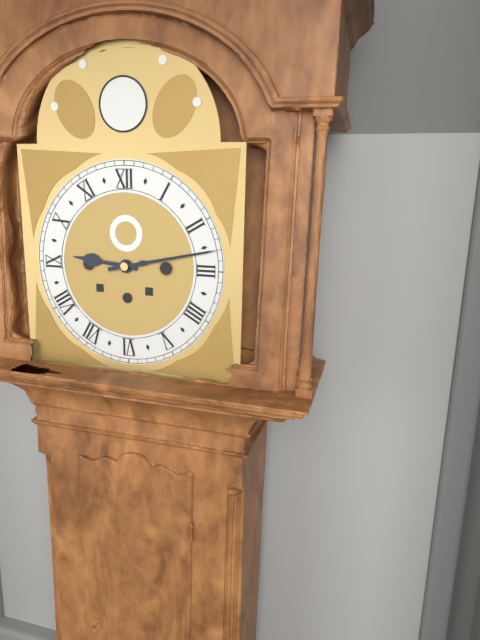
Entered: {"hour": 9, "minute": 13}
